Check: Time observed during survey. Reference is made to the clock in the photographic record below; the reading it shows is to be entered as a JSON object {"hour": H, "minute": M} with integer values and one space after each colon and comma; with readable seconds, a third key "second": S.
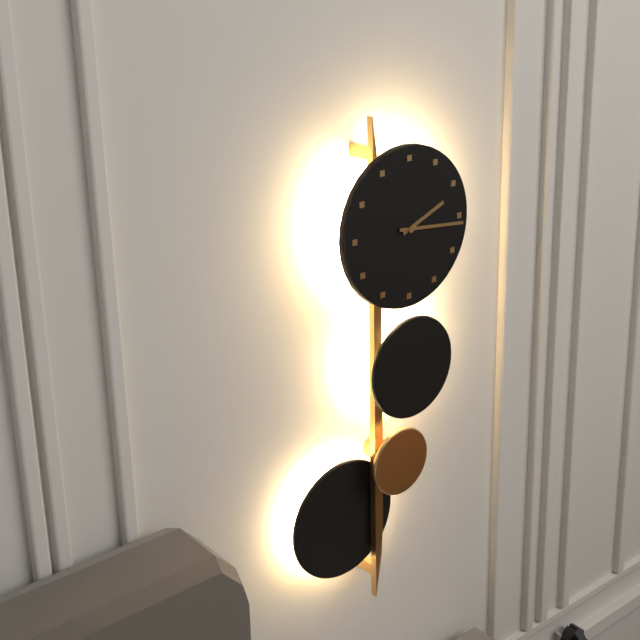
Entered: {"hour": 2, "minute": 16}
